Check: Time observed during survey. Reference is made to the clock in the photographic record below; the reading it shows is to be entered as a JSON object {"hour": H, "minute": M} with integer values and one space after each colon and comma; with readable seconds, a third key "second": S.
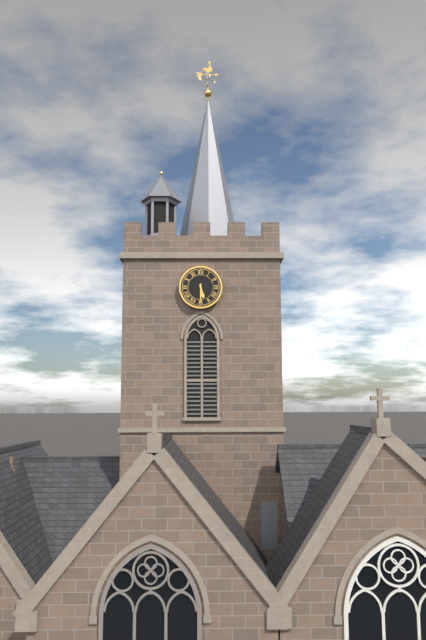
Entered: {"hour": 5, "minute": 30}
